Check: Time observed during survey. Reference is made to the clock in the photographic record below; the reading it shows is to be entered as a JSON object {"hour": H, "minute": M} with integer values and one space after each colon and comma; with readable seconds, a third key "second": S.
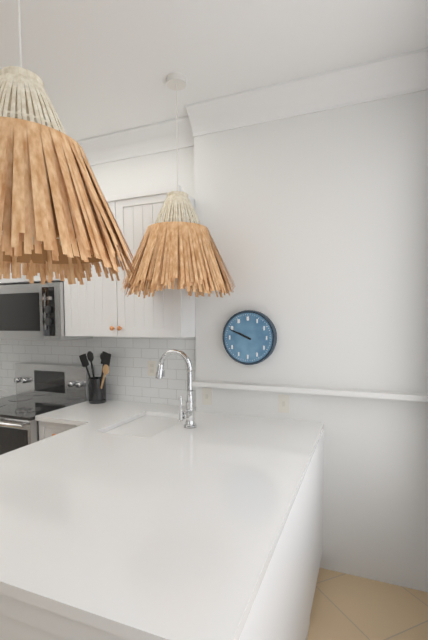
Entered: {"hour": 9, "minute": 49}
